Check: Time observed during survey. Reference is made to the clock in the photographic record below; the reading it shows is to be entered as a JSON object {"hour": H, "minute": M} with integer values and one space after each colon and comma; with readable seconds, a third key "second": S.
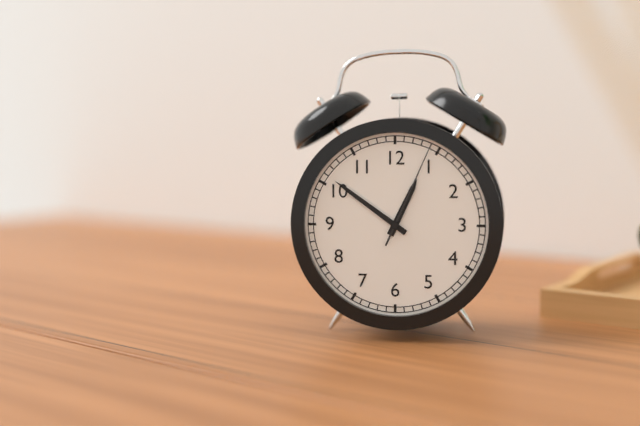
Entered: {"hour": 12, "minute": 51, "second": 4}
